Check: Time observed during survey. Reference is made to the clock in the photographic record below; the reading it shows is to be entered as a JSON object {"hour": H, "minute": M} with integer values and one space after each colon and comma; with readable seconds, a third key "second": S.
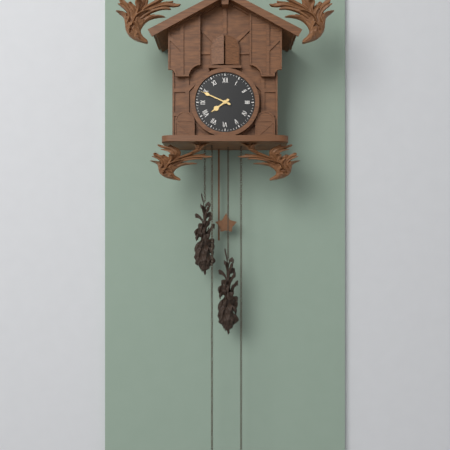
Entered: {"hour": 7, "minute": 49}
